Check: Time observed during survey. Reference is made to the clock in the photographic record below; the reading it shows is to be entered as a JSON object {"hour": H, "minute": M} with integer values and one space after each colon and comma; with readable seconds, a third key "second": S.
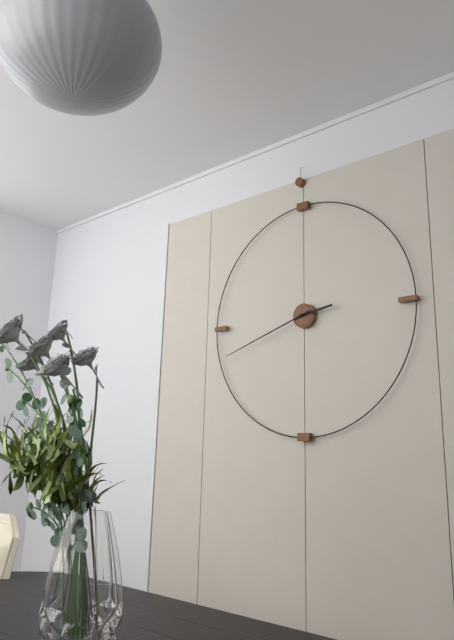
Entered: {"hour": 2, "minute": 42}
